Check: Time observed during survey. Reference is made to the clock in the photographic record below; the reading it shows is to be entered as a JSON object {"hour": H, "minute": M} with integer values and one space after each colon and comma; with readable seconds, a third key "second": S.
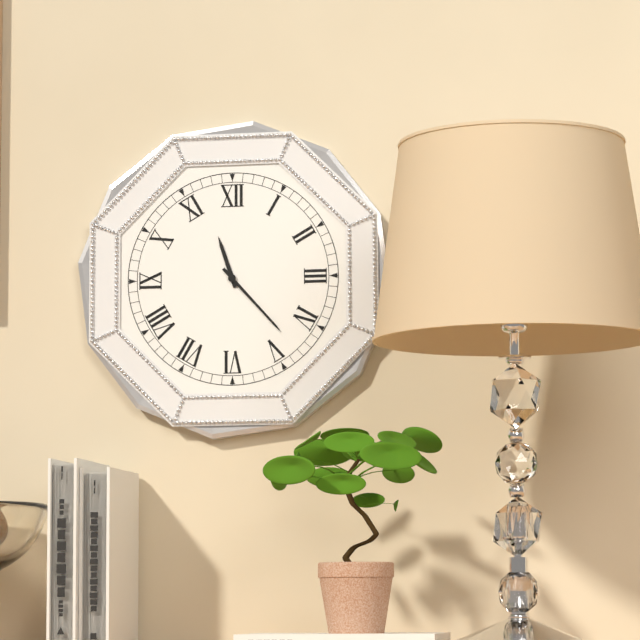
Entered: {"hour": 11, "minute": 23}
